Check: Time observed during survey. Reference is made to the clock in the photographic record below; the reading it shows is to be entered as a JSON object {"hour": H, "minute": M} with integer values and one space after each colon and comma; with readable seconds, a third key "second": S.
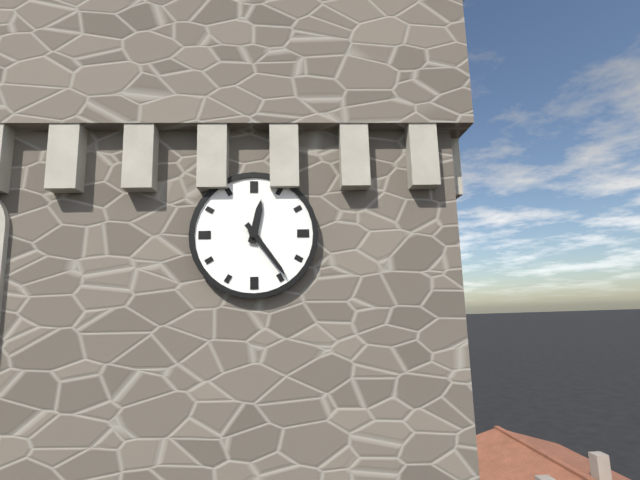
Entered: {"hour": 12, "minute": 24}
